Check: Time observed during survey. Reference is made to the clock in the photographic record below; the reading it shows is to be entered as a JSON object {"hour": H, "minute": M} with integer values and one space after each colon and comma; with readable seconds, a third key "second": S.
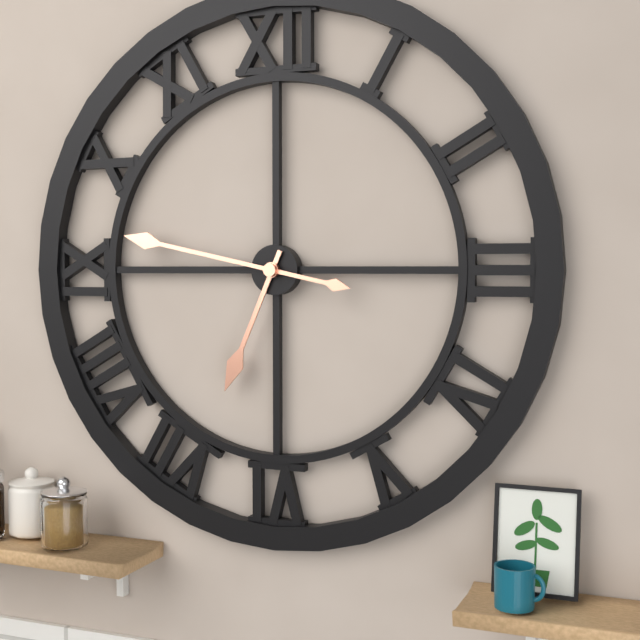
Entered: {"hour": 6, "minute": 47}
